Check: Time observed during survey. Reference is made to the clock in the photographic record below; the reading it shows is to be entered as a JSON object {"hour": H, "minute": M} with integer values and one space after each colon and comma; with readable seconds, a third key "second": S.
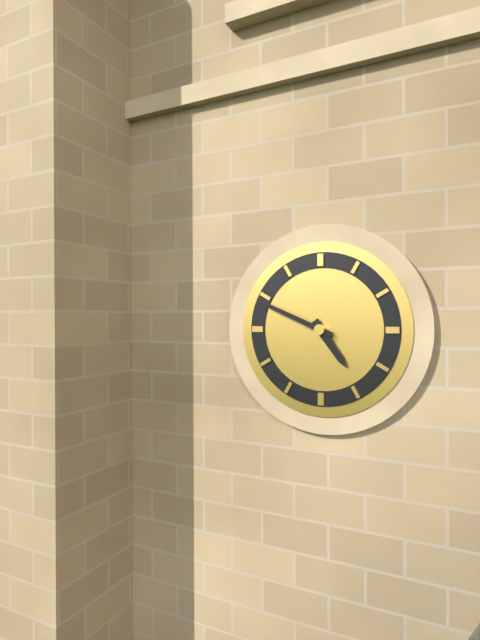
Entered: {"hour": 4, "minute": 49}
